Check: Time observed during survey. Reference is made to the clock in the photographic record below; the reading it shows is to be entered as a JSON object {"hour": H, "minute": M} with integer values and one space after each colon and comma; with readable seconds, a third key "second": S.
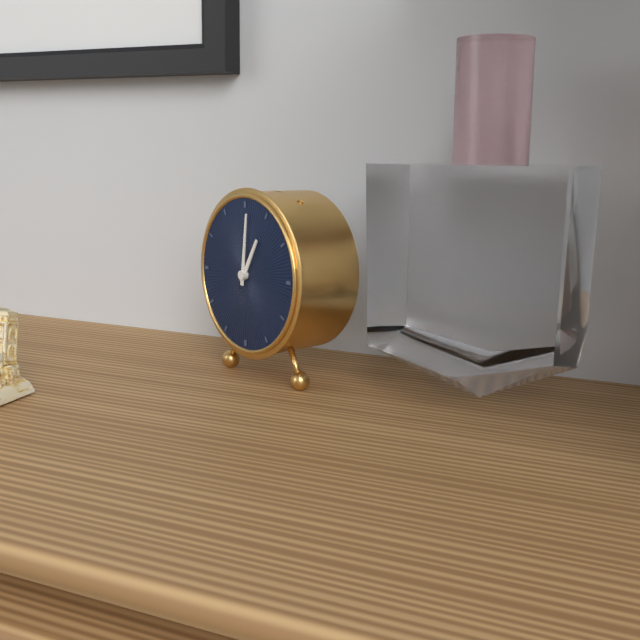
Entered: {"hour": 1, "minute": 1}
